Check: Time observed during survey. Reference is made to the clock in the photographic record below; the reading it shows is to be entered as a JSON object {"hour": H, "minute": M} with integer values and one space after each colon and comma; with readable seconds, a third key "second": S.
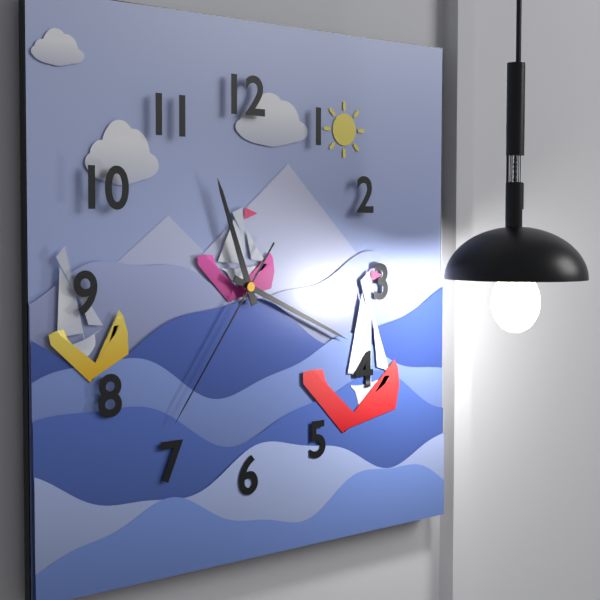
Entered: {"hour": 11, "minute": 19, "second": 36}
